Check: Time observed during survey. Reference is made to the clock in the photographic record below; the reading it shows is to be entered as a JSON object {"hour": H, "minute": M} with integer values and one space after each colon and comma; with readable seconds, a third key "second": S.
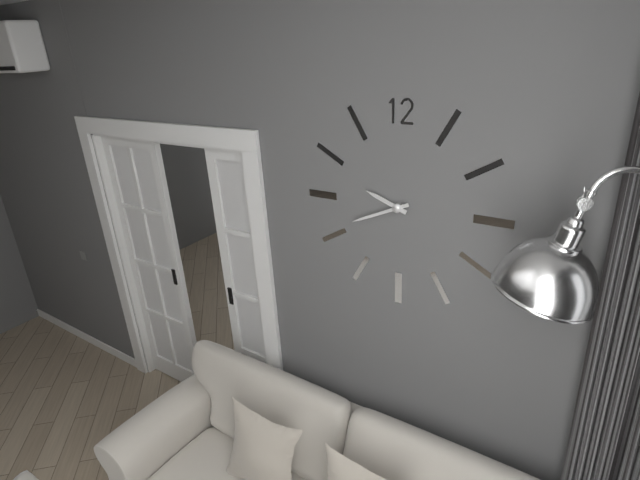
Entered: {"hour": 9, "minute": 41}
